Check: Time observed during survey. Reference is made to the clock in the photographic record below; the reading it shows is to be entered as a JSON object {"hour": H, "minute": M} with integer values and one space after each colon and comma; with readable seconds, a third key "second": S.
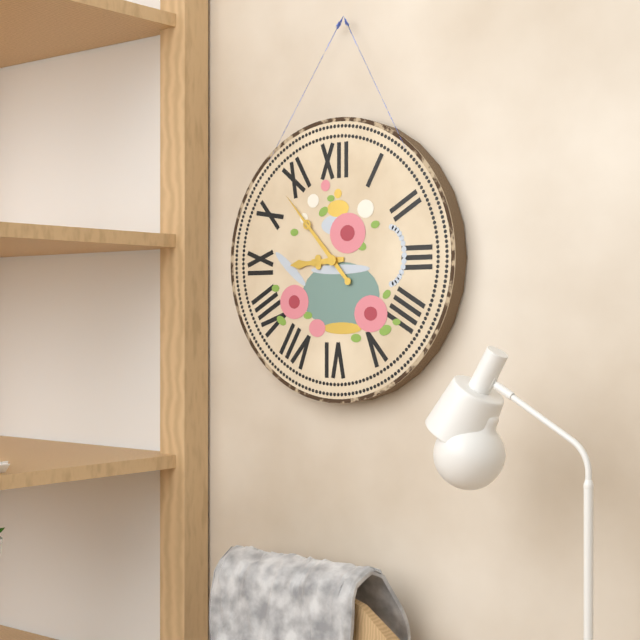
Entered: {"hour": 8, "minute": 53}
